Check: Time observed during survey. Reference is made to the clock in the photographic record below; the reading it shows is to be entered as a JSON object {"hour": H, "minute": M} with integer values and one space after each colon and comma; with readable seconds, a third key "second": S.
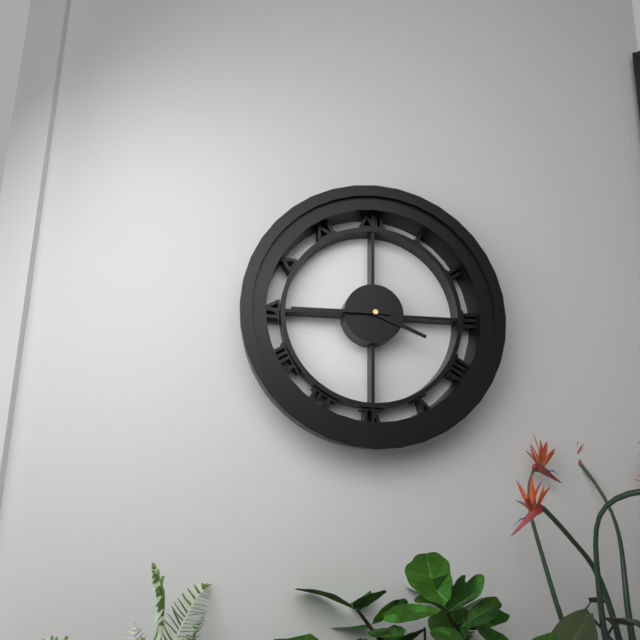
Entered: {"hour": 3, "minute": 45}
